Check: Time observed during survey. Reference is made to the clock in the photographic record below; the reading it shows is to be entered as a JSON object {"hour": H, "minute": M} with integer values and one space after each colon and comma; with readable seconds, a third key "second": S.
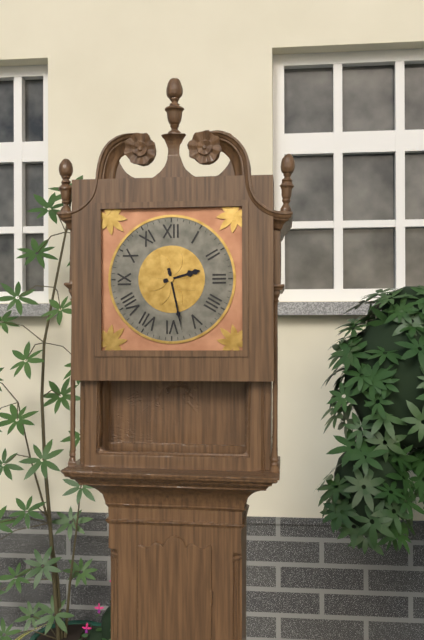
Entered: {"hour": 2, "minute": 28}
